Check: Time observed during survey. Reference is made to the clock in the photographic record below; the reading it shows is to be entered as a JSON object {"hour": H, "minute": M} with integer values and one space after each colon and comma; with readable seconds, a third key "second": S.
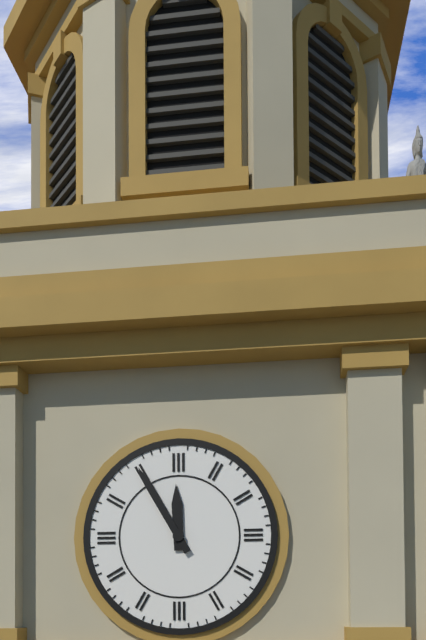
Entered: {"hour": 11, "minute": 55}
